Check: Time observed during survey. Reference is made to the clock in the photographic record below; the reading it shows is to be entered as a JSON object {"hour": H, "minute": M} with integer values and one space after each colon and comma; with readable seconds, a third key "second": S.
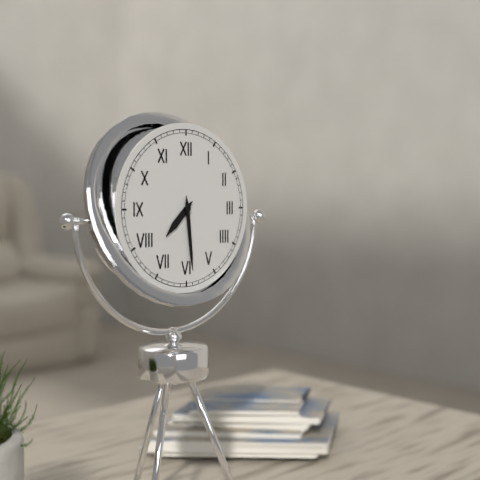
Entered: {"hour": 7, "minute": 29}
